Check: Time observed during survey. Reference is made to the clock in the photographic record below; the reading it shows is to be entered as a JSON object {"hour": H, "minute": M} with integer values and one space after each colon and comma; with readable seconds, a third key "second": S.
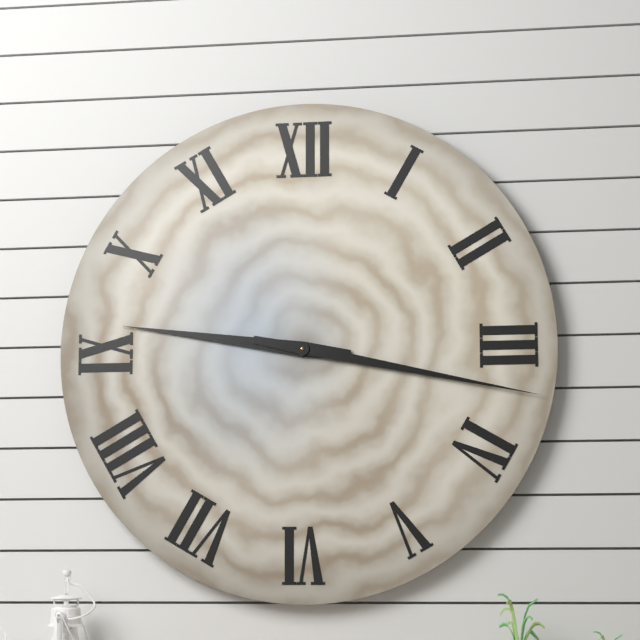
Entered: {"hour": 9, "minute": 17}
